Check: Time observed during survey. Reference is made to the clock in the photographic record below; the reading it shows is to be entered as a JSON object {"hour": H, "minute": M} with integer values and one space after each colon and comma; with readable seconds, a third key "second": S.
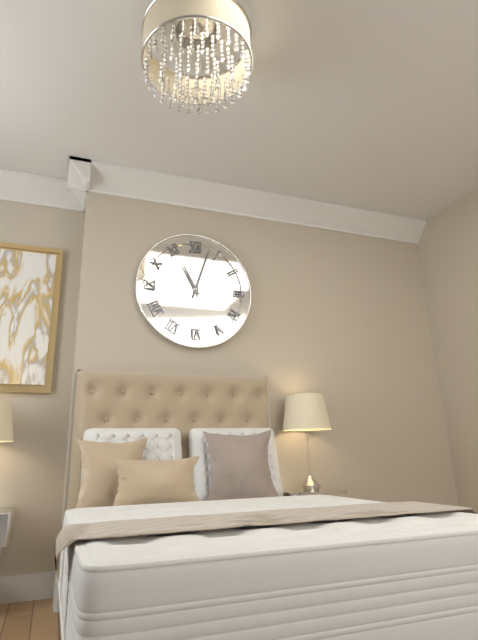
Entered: {"hour": 11, "minute": 3}
